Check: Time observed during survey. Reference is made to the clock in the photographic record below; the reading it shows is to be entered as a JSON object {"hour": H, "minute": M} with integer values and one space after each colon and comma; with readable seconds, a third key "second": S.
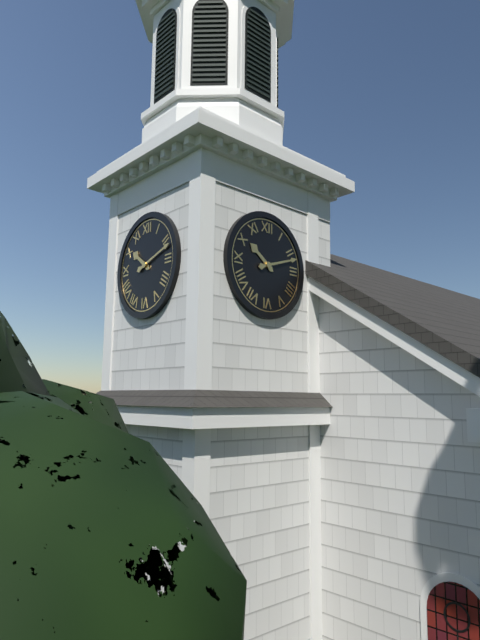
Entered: {"hour": 10, "minute": 12}
